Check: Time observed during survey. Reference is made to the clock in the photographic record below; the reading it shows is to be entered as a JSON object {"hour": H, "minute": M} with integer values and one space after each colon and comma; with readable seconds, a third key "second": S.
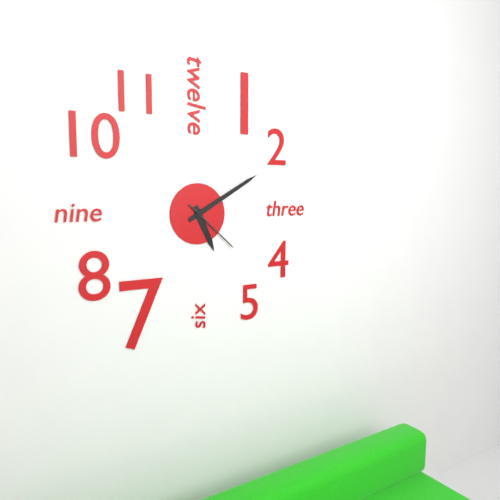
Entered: {"hour": 5, "minute": 10, "second": 22}
